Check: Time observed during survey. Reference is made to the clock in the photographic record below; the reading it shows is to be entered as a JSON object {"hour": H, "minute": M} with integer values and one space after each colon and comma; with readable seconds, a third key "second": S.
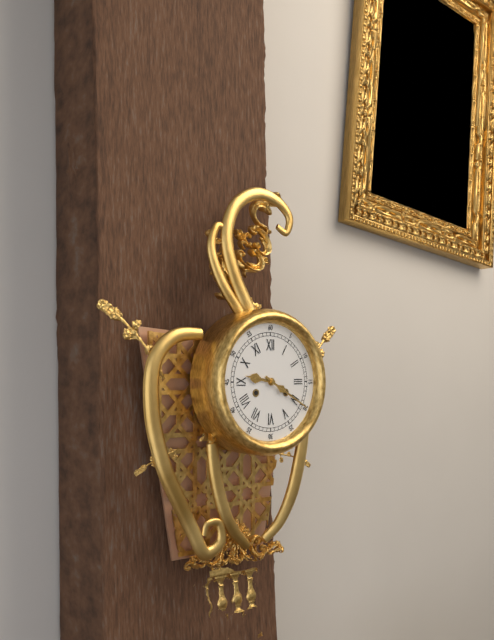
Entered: {"hour": 9, "minute": 20}
